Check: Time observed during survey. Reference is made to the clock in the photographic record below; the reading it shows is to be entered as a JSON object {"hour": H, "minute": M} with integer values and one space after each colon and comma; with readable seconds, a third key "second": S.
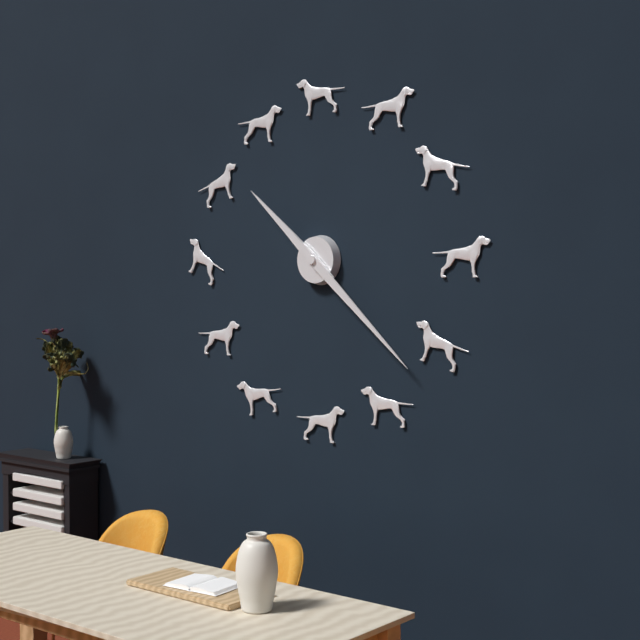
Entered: {"hour": 10, "minute": 22}
